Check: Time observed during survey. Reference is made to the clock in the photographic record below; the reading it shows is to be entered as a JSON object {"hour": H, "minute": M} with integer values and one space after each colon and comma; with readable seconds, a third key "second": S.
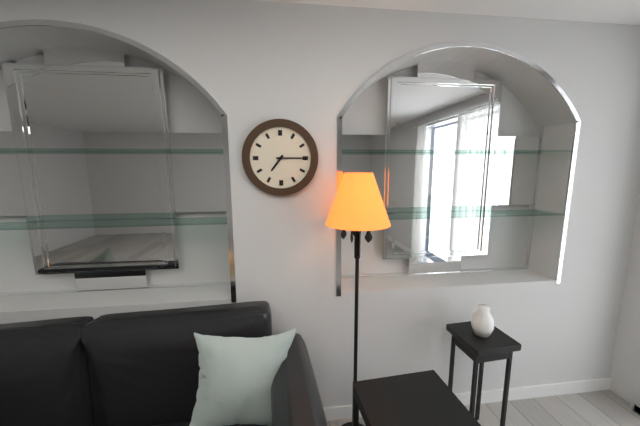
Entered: {"hour": 7, "minute": 15}
